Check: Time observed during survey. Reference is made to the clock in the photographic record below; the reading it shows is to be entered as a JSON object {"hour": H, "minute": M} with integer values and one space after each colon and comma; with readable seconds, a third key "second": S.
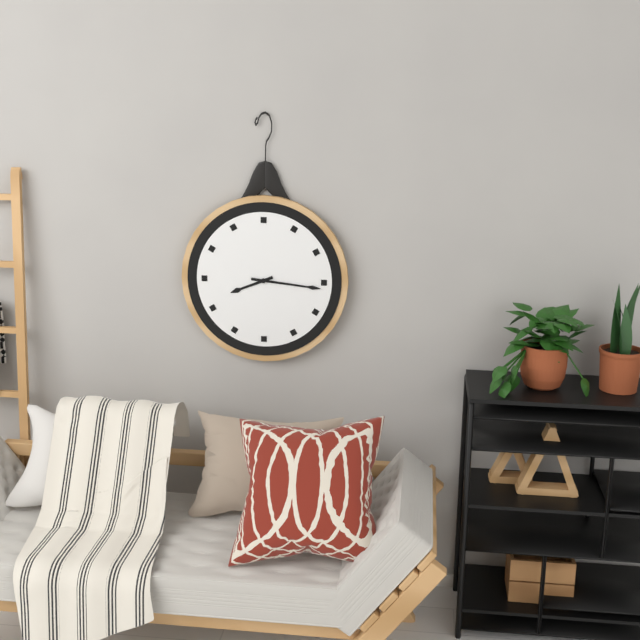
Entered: {"hour": 8, "minute": 16}
